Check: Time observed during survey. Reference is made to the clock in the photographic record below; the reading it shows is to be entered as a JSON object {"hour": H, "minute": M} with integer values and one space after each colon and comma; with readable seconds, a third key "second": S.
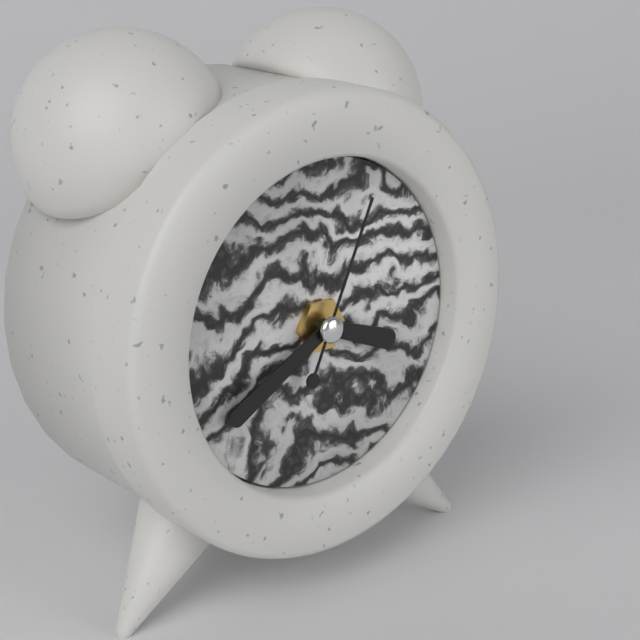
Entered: {"hour": 3, "minute": 40, "second": 4}
